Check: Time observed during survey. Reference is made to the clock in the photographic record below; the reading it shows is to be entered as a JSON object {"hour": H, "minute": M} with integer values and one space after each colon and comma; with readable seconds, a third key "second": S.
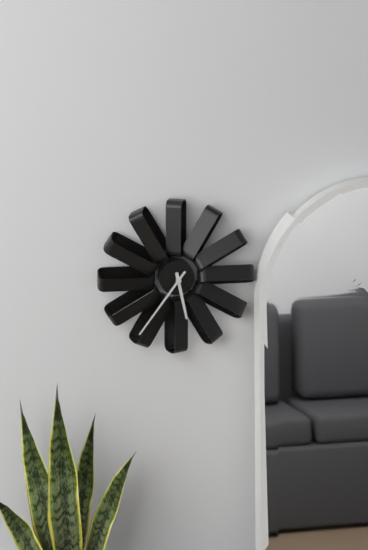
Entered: {"hour": 5, "minute": 36}
